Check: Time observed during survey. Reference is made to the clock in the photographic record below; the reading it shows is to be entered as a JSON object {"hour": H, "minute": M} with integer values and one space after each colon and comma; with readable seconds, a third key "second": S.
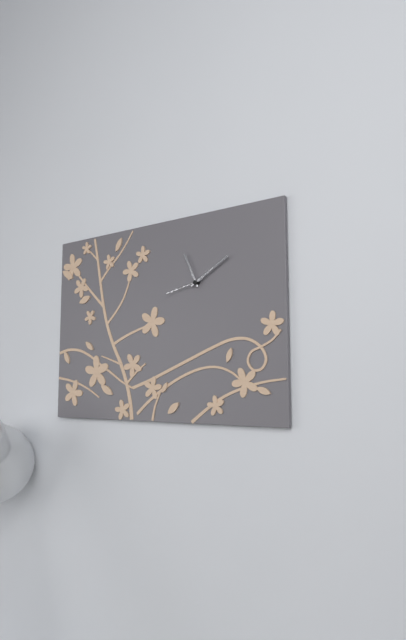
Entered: {"hour": 11, "minute": 10}
